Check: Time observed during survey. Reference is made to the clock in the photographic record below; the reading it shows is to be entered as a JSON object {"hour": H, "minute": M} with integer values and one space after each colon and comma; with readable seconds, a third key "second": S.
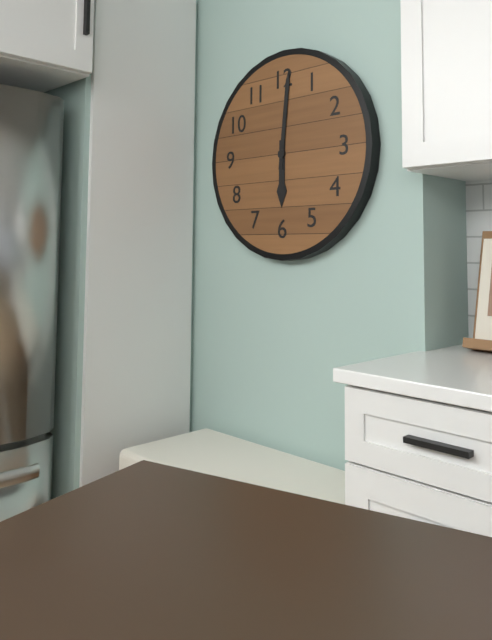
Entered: {"hour": 6, "minute": 1}
